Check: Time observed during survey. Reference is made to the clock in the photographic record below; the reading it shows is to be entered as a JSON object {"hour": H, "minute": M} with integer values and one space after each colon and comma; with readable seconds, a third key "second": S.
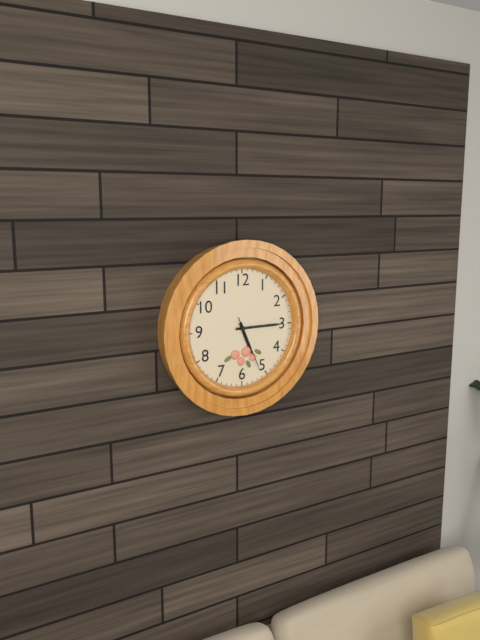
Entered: {"hour": 5, "minute": 15, "second": 26}
